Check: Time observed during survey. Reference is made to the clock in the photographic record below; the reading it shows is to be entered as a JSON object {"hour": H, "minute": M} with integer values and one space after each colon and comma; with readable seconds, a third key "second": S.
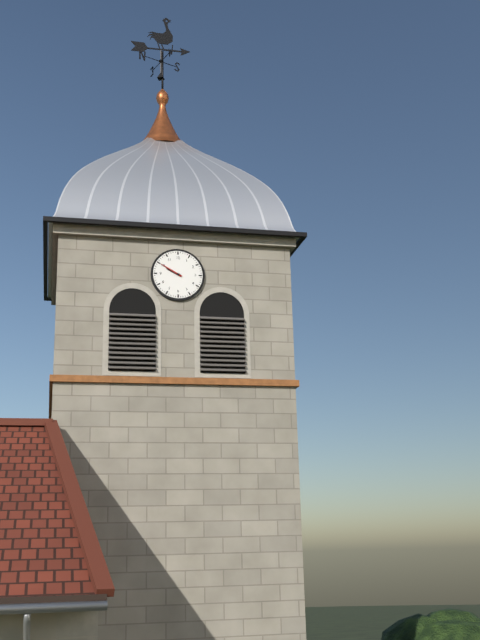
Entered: {"hour": 9, "minute": 50}
